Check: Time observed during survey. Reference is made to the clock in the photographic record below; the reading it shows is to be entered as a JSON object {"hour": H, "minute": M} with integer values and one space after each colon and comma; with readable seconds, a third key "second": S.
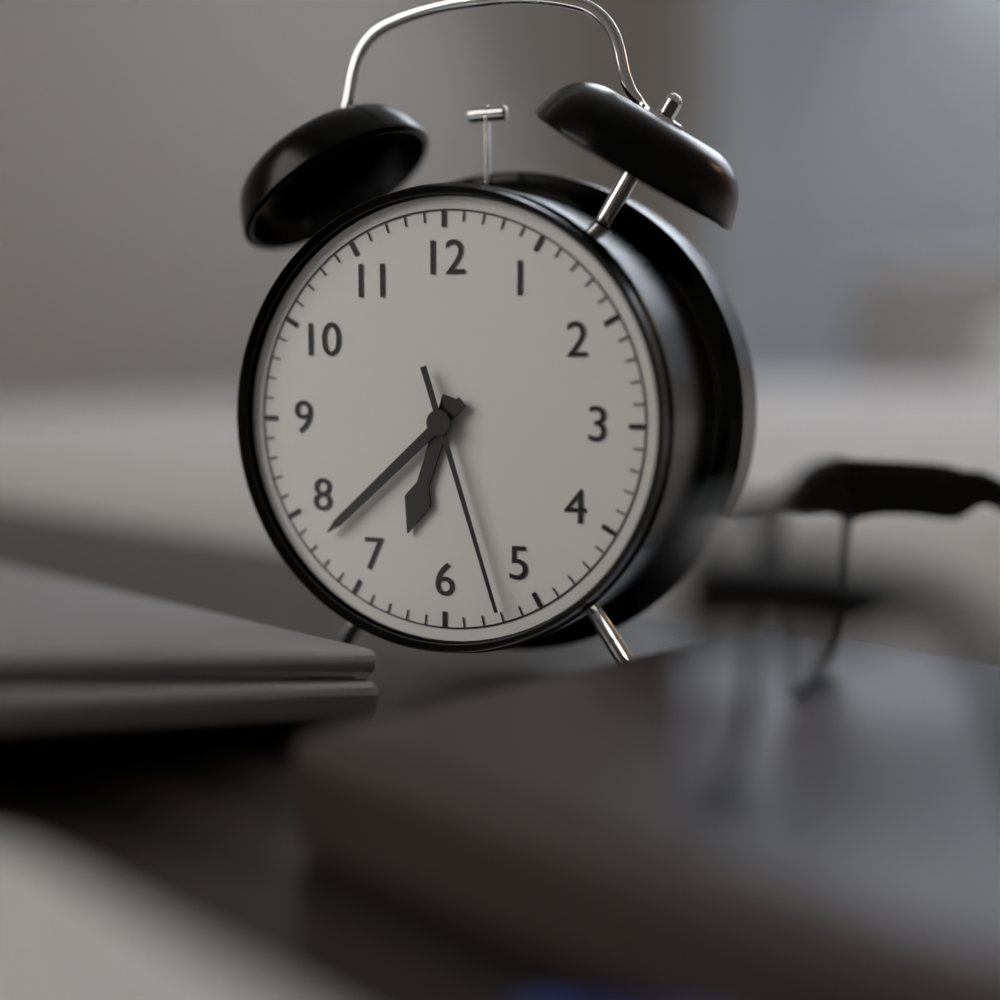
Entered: {"hour": 6, "minute": 38, "second": 27}
